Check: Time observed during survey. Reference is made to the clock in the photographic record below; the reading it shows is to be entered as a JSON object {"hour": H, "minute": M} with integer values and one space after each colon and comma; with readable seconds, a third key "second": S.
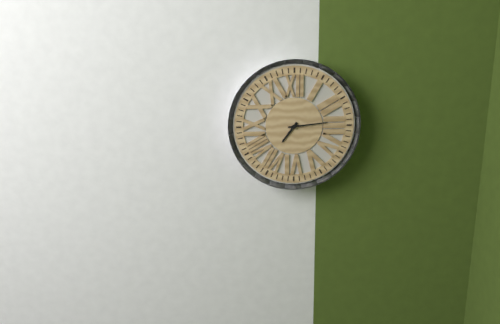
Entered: {"hour": 7, "minute": 14}
